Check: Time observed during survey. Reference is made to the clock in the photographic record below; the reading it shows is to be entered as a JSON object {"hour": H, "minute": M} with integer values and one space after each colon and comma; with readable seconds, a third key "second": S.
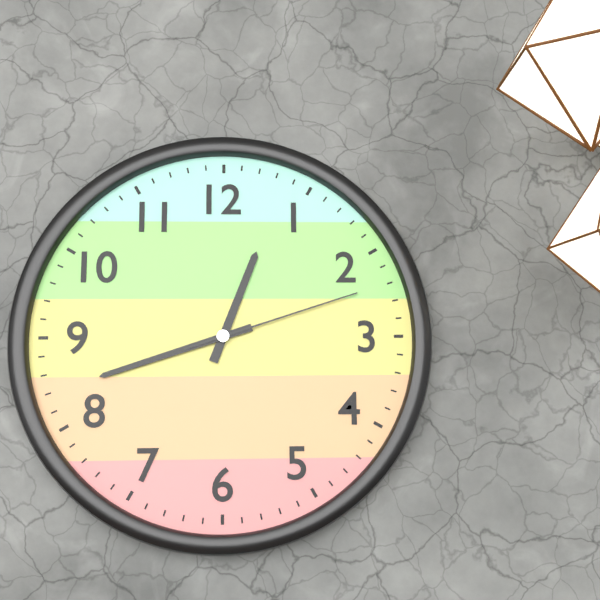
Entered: {"hour": 12, "minute": 42, "second": 12}
